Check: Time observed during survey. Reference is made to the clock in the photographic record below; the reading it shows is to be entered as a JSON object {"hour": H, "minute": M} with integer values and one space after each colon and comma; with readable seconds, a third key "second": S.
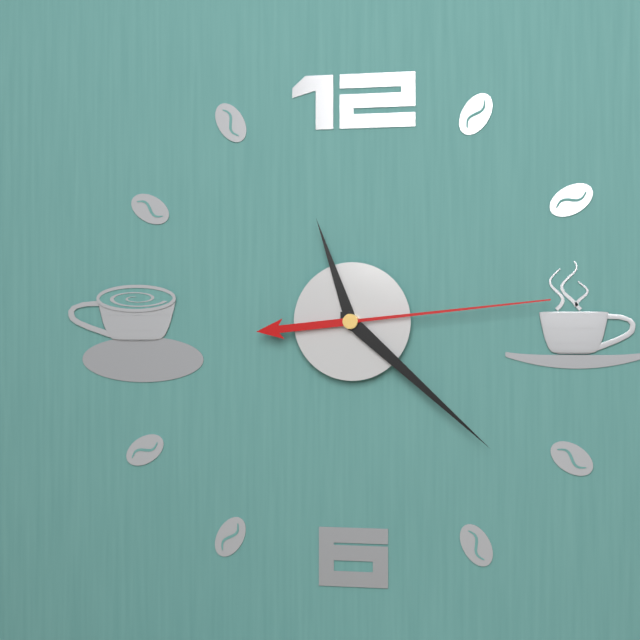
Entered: {"hour": 11, "minute": 22, "second": 14}
